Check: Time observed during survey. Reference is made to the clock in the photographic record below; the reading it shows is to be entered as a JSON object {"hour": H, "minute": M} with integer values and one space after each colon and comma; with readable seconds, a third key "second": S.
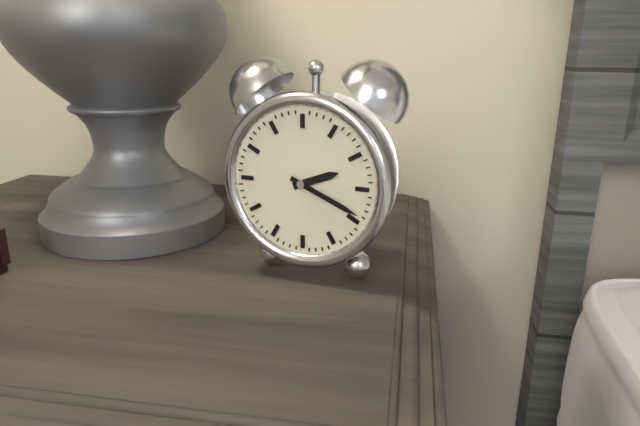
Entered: {"hour": 2, "minute": 19}
